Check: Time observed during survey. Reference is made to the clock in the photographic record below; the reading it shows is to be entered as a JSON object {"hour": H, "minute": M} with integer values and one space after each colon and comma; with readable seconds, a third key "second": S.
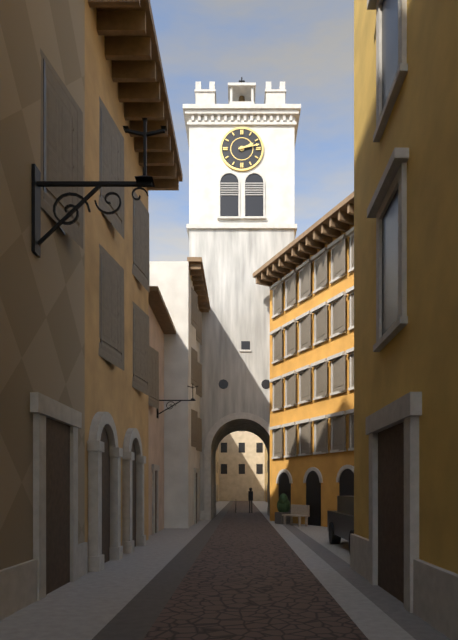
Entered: {"hour": 2, "minute": 13}
